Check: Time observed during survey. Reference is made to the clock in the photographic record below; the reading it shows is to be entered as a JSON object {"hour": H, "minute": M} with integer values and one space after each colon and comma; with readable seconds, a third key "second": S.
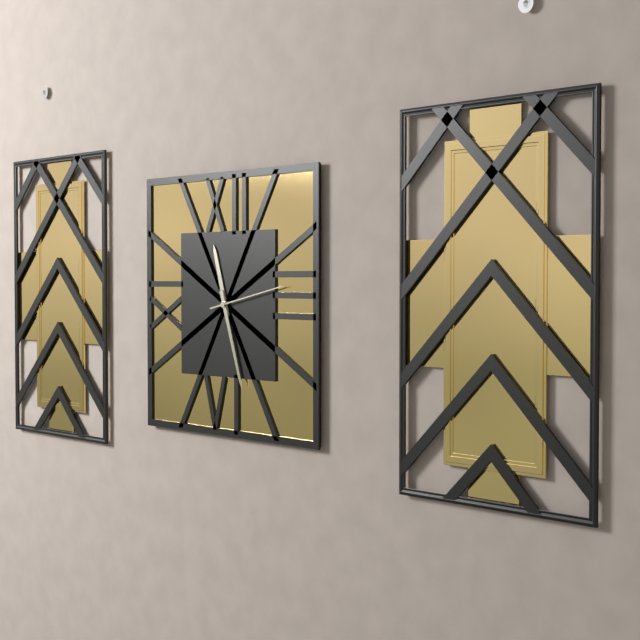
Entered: {"hour": 11, "minute": 27, "second": 13}
